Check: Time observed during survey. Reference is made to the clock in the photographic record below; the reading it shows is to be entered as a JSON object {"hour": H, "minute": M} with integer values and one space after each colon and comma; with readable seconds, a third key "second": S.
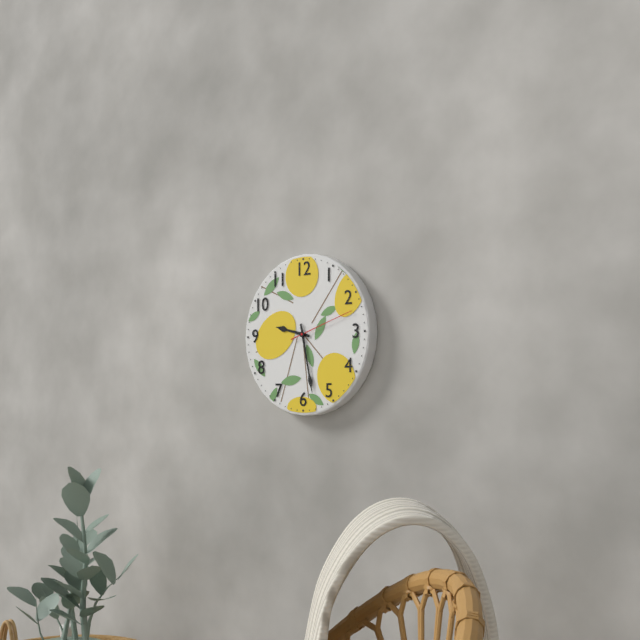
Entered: {"hour": 9, "minute": 28, "second": 12}
